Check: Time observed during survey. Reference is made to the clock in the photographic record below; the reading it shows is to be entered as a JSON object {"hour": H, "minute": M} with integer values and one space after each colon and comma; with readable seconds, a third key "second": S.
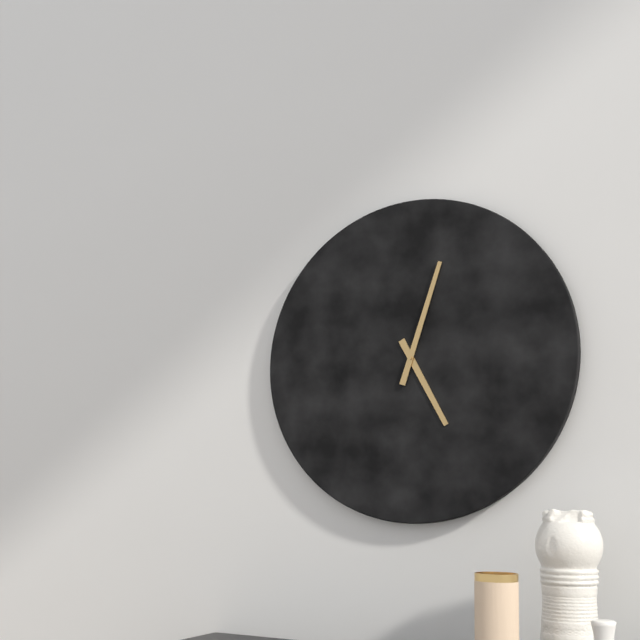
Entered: {"hour": 5, "minute": 3}
